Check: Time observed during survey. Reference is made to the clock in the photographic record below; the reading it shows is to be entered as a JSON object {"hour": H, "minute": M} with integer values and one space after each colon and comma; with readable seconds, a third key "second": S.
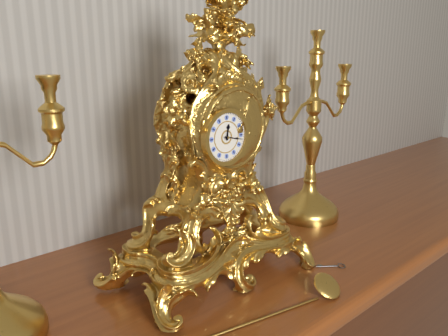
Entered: {"hour": 12, "minute": 17}
